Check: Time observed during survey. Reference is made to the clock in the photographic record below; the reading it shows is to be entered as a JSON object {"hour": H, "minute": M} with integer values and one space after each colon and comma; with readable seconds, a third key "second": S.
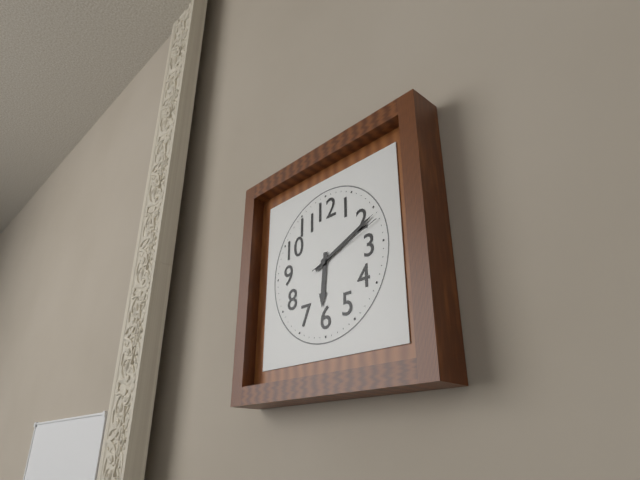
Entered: {"hour": 6, "minute": 11, "second": 12}
